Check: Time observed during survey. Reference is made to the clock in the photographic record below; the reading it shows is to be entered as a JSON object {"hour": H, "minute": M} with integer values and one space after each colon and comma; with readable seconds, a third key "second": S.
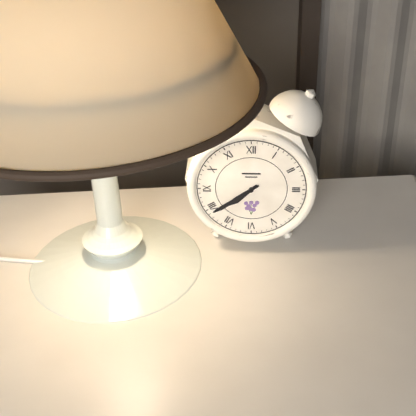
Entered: {"hour": 7, "minute": 39}
